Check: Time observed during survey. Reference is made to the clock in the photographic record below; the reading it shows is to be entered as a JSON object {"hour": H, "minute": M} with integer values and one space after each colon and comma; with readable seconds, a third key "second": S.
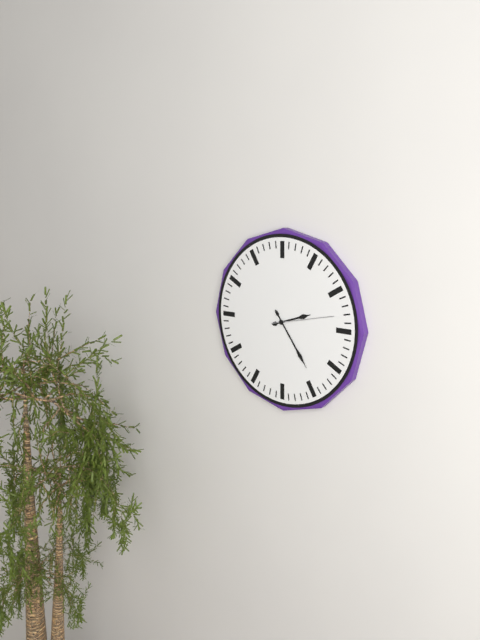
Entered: {"hour": 2, "minute": 24, "second": 13}
